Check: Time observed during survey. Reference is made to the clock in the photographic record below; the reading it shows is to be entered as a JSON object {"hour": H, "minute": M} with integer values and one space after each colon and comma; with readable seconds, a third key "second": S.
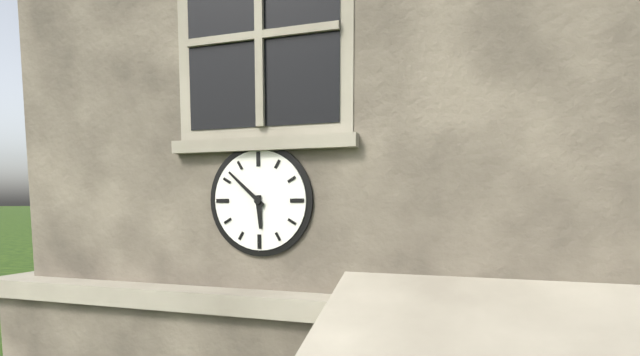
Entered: {"hour": 5, "minute": 52}
